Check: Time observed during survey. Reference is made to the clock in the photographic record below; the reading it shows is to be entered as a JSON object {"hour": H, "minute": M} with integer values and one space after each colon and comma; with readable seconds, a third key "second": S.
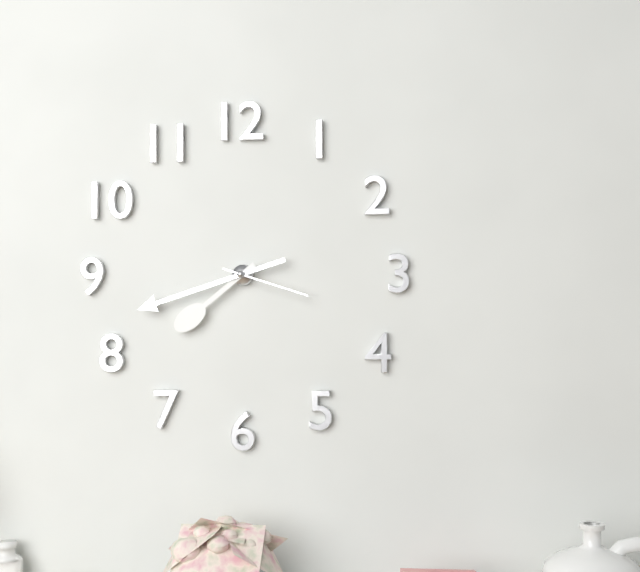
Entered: {"hour": 7, "minute": 42, "second": 18}
